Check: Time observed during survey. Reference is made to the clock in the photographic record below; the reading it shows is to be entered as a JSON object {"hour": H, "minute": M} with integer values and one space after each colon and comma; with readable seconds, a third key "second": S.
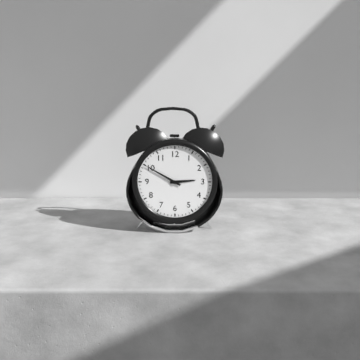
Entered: {"hour": 2, "minute": 50}
